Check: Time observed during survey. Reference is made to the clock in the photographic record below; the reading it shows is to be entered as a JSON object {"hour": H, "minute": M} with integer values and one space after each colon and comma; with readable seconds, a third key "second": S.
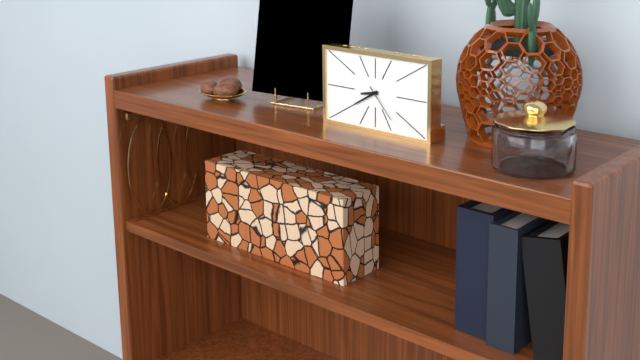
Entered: {"hour": 8, "minute": 40}
